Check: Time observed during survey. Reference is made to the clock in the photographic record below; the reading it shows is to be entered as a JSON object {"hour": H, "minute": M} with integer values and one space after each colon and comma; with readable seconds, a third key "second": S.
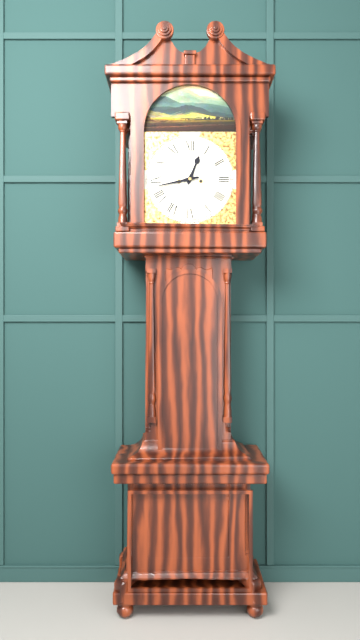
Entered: {"hour": 12, "minute": 43}
